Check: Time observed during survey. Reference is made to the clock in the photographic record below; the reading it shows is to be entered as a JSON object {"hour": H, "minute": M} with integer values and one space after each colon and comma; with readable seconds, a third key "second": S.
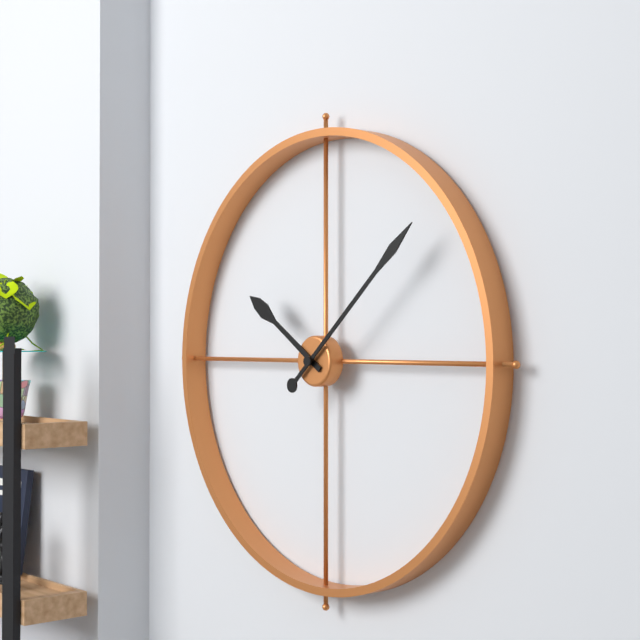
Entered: {"hour": 10, "minute": 8}
